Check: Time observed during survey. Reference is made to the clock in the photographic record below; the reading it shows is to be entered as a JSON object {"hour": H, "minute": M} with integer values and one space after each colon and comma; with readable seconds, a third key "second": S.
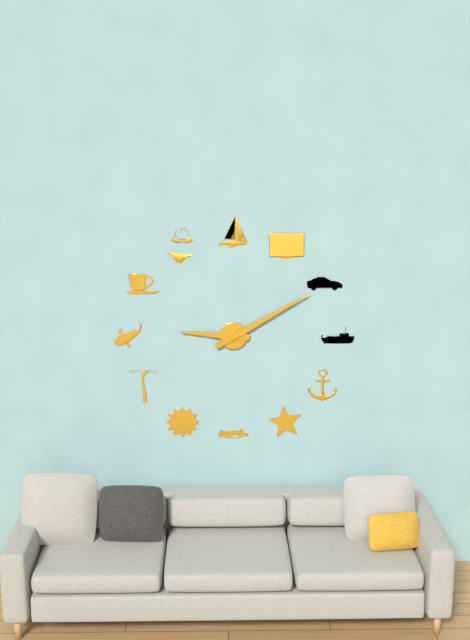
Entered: {"hour": 9, "minute": 10}
